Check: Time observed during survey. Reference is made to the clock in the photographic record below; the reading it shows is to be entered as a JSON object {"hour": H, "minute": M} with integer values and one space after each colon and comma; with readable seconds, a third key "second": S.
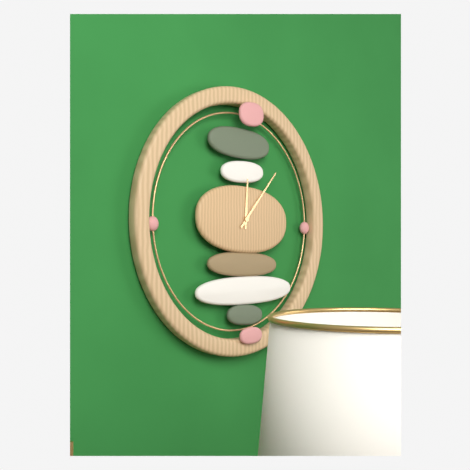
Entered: {"hour": 12, "minute": 7}
